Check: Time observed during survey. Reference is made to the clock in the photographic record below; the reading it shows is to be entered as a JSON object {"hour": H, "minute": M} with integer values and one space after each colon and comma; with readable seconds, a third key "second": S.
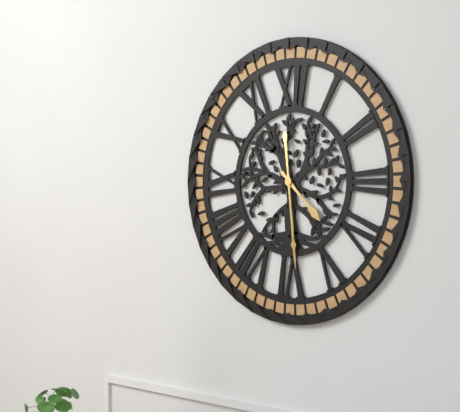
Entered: {"hour": 4, "minute": 29}
